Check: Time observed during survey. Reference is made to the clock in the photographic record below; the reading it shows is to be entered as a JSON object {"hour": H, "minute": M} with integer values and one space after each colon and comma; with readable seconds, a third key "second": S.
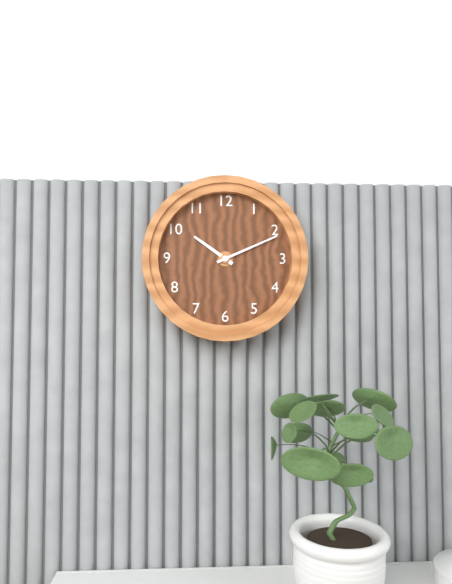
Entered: {"hour": 10, "minute": 11}
